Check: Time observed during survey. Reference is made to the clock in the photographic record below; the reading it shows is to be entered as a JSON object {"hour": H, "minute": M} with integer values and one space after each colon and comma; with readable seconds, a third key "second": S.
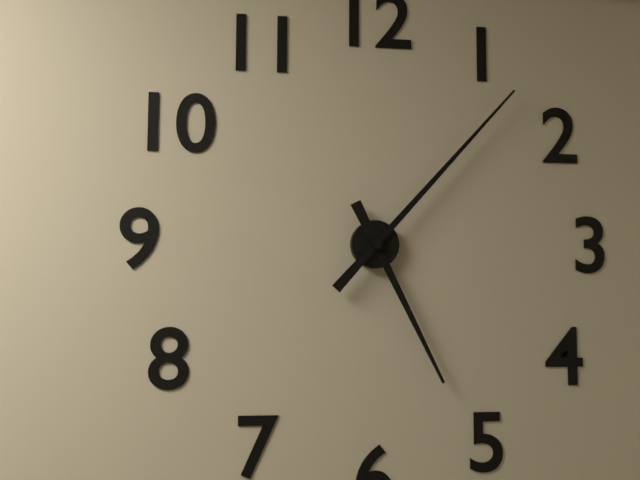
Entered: {"hour": 5, "minute": 7}
